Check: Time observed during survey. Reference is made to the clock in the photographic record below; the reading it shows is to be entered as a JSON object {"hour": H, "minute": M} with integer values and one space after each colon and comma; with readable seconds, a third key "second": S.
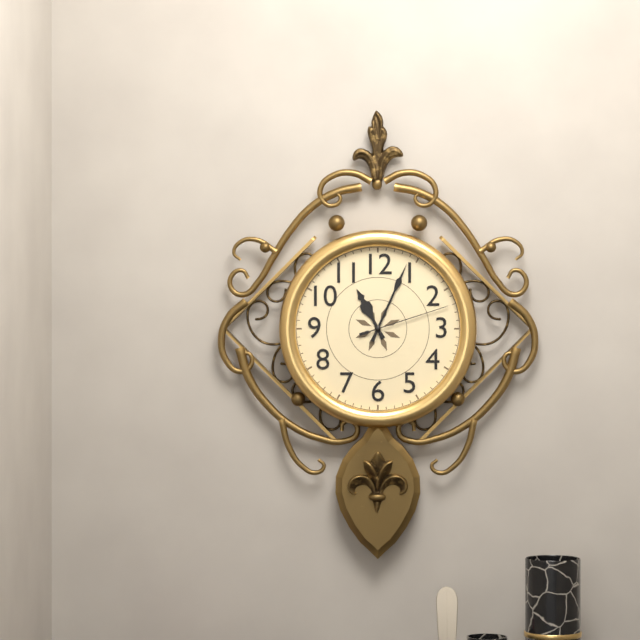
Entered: {"hour": 11, "minute": 4, "second": 12}
